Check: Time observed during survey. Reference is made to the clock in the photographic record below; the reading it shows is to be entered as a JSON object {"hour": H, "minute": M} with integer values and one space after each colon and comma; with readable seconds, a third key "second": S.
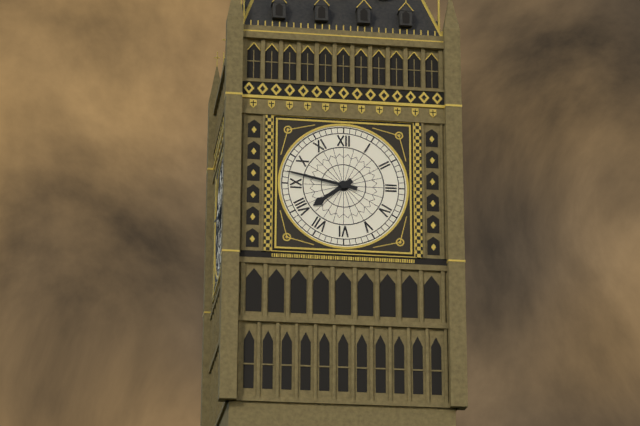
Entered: {"hour": 7, "minute": 47}
